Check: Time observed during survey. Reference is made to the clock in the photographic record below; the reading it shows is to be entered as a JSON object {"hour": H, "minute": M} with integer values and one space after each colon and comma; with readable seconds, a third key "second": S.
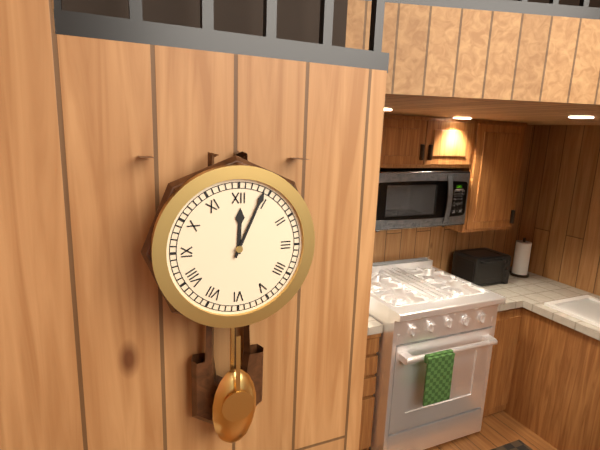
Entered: {"hour": 12, "minute": 4}
